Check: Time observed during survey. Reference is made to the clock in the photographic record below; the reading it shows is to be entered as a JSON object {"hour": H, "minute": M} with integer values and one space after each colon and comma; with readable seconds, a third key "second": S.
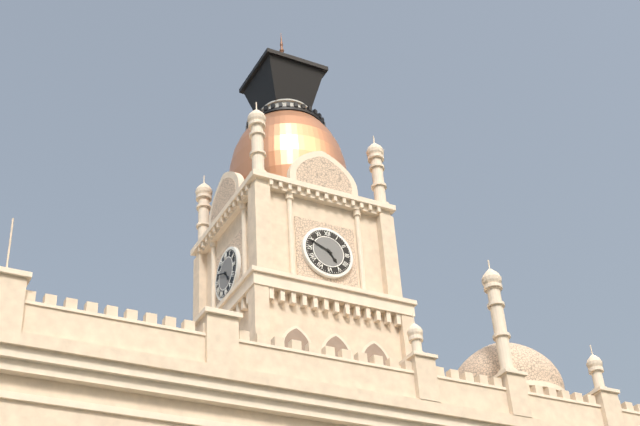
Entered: {"hour": 4, "minute": 49}
